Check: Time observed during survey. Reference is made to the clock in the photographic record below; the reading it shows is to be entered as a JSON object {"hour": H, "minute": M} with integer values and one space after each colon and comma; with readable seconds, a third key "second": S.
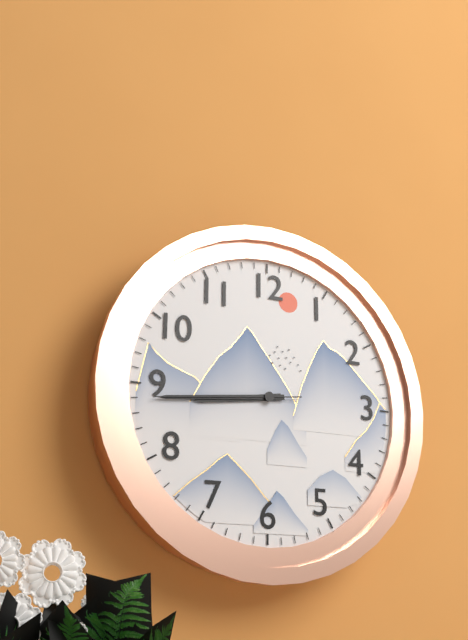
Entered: {"hour": 8, "minute": 44, "second": 44}
